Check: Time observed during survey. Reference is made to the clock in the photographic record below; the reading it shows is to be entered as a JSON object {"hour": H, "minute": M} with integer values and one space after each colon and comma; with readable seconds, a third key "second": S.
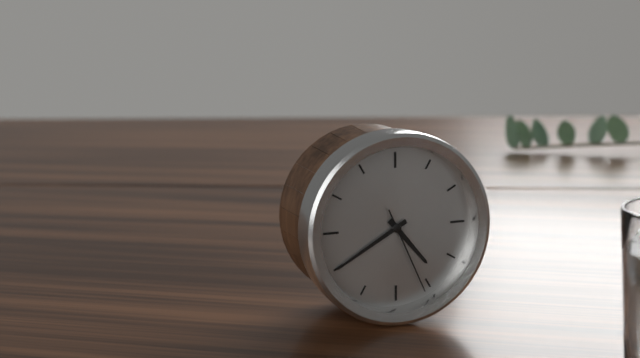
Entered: {"hour": 4, "minute": 40, "second": 26}
